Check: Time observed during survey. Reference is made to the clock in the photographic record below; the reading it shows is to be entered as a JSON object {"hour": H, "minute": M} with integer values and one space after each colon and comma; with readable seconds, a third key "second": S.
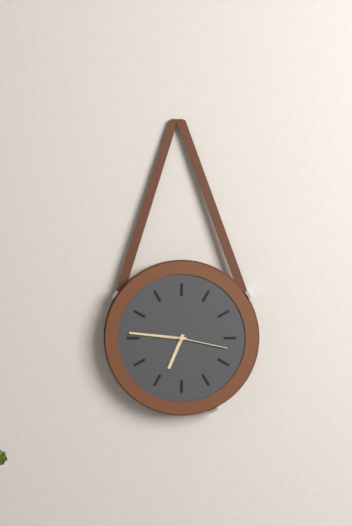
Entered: {"hour": 6, "minute": 46, "second": 17}
